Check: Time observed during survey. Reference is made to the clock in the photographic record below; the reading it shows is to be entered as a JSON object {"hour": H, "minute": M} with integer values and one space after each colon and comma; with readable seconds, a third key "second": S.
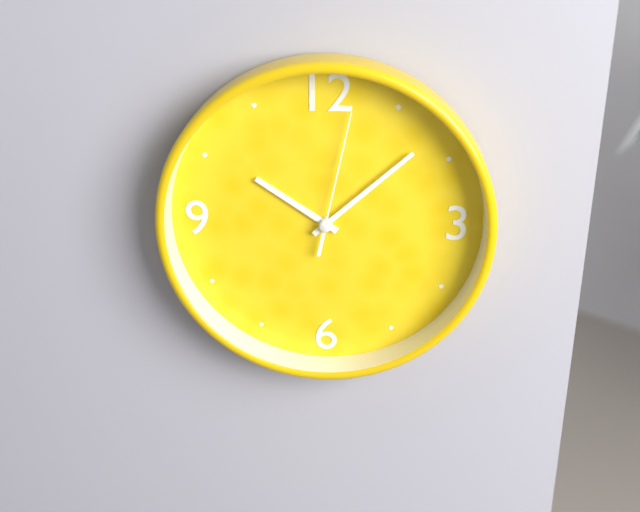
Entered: {"hour": 10, "minute": 8, "second": 2}
